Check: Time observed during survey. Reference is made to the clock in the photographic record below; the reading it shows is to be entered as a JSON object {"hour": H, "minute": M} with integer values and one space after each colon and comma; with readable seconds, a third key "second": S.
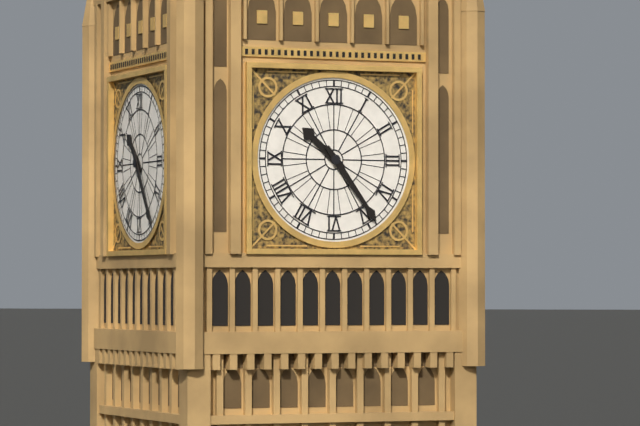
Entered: {"hour": 10, "minute": 24}
